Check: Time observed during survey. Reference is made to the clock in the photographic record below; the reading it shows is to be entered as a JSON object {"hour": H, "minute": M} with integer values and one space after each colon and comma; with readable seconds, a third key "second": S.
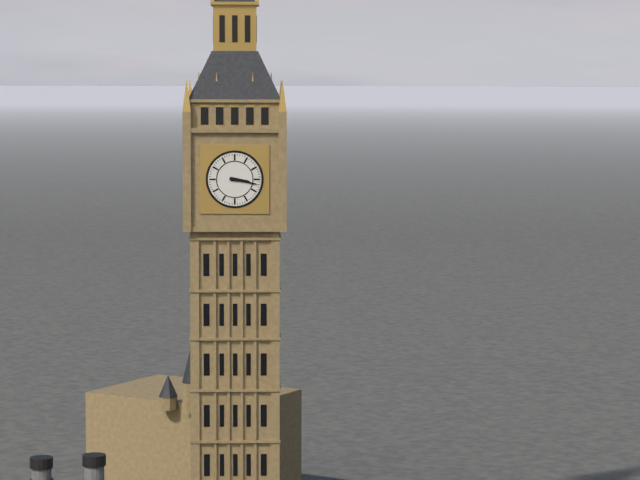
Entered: {"hour": 3, "minute": 17}
